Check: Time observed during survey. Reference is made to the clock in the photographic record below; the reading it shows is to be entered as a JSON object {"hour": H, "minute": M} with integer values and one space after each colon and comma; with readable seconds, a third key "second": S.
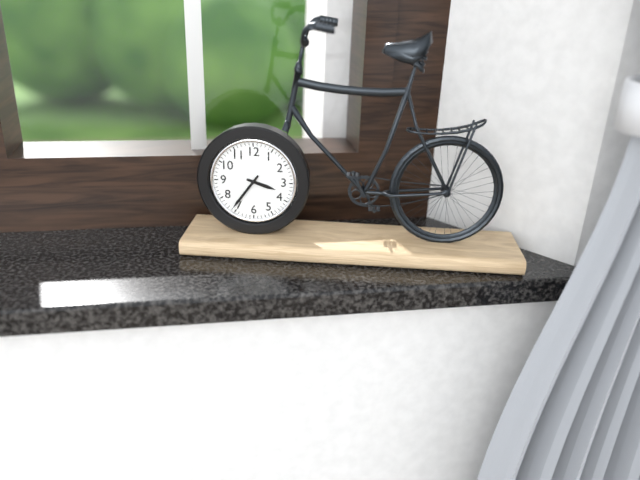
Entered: {"hour": 3, "minute": 36}
